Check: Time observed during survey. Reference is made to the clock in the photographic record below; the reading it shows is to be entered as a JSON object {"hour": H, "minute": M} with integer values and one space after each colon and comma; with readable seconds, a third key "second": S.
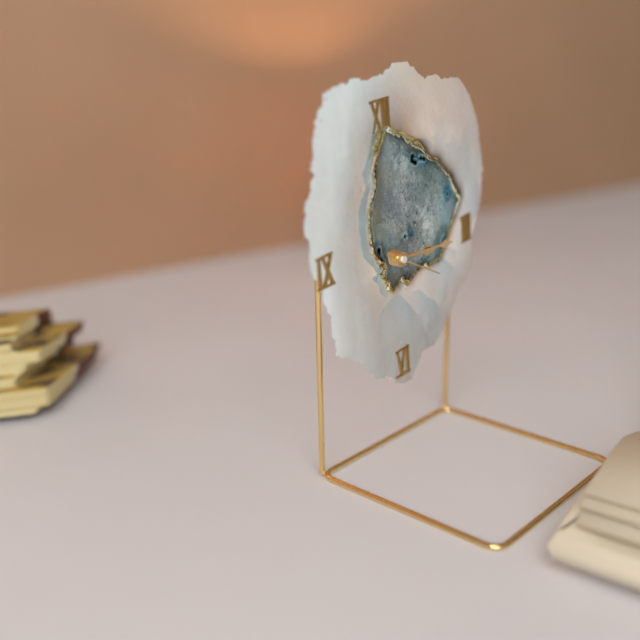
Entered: {"hour": 3, "minute": 16, "second": 20}
